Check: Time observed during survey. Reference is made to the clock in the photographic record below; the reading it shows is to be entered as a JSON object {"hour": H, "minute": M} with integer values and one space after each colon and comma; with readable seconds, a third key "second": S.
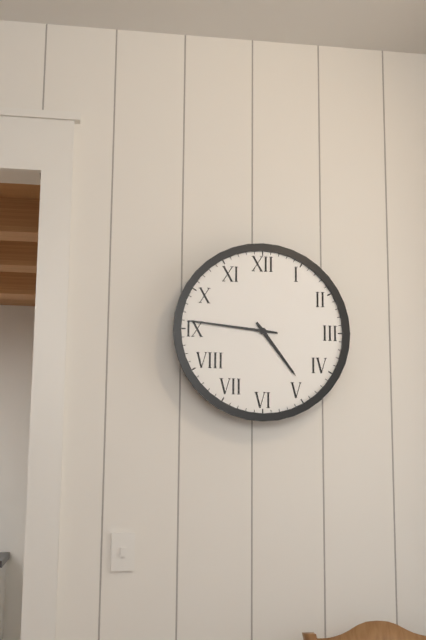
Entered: {"hour": 4, "minute": 46}
